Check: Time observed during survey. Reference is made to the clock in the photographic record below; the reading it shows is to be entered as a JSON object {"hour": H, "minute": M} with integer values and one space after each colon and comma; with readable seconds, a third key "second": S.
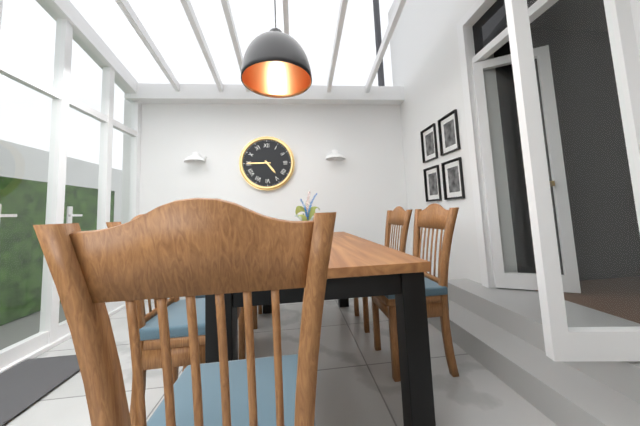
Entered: {"hour": 4, "minute": 45}
